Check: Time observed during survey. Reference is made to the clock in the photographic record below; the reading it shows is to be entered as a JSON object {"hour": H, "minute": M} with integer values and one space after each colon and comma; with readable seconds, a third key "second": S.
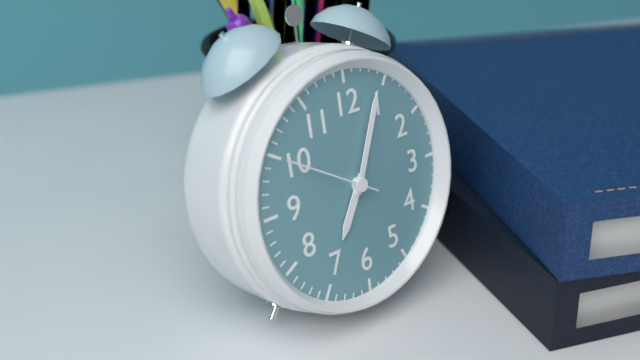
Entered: {"hour": 7, "minute": 4, "second": 50}
